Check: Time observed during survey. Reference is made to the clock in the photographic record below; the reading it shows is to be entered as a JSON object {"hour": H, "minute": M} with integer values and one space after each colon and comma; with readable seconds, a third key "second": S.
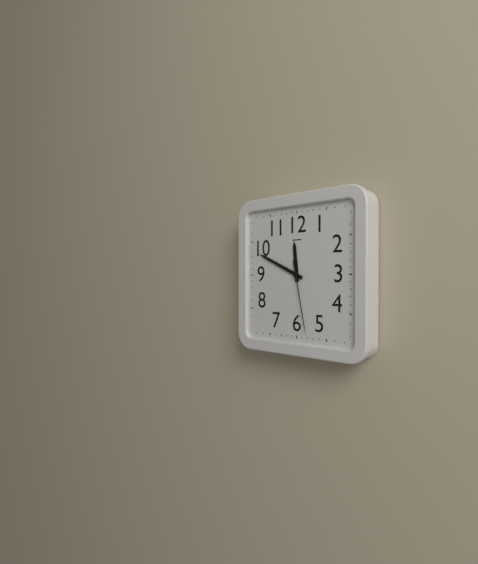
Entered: {"hour": 11, "minute": 49, "second": 28}
